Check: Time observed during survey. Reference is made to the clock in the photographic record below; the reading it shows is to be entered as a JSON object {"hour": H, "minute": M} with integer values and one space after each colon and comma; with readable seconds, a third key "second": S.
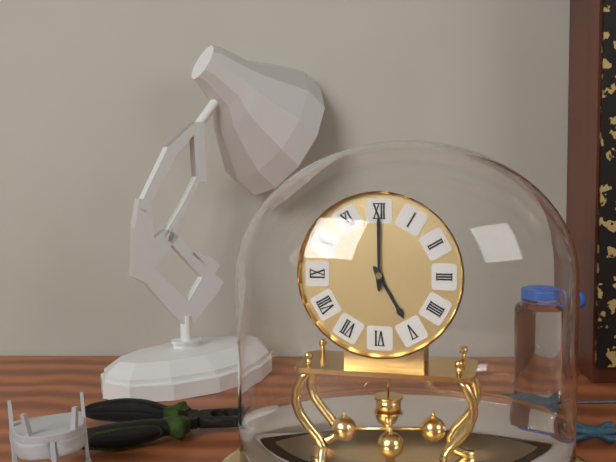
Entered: {"hour": 5, "minute": 0}
